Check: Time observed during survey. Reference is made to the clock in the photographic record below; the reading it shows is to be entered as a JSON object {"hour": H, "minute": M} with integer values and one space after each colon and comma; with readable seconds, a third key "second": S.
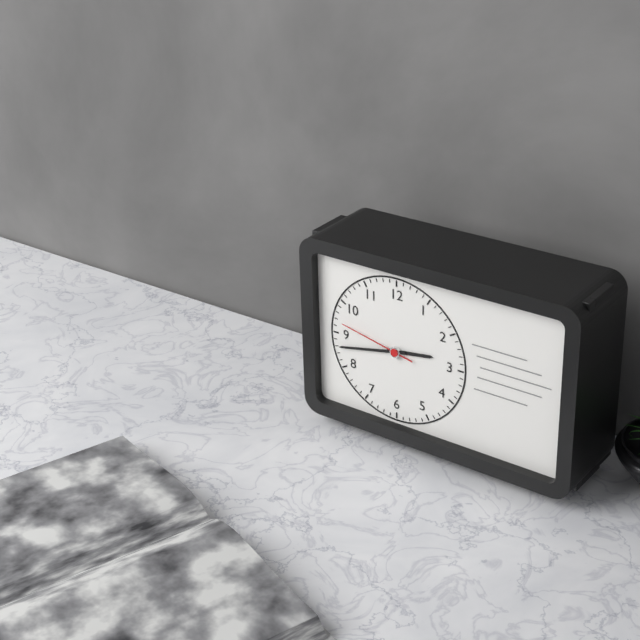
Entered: {"hour": 2, "minute": 43, "second": 47}
